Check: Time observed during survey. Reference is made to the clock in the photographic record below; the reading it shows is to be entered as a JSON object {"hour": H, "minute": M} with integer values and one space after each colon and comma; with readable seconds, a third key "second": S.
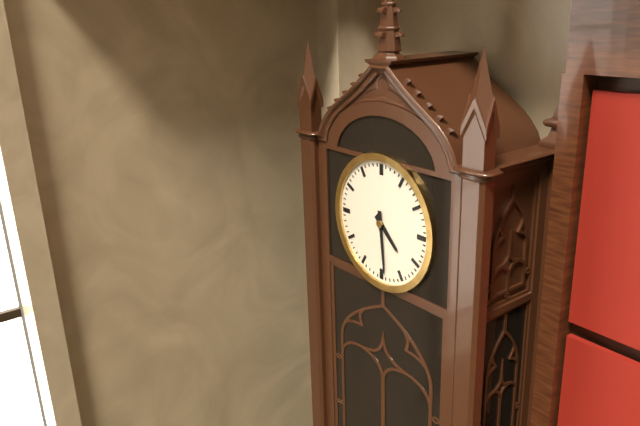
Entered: {"hour": 4, "minute": 29}
